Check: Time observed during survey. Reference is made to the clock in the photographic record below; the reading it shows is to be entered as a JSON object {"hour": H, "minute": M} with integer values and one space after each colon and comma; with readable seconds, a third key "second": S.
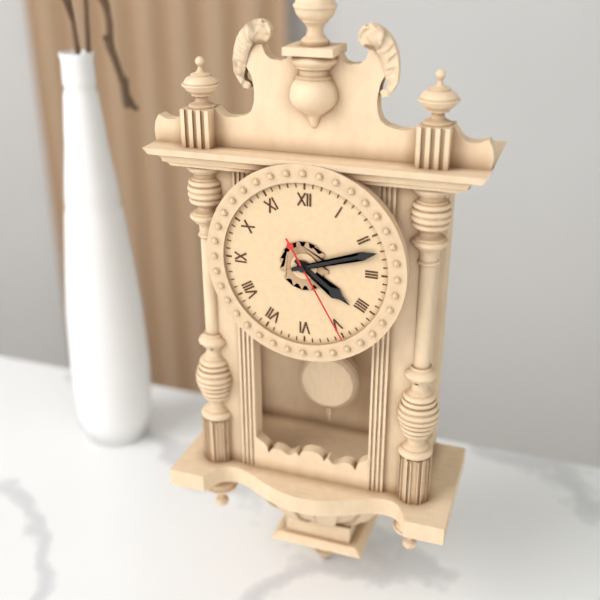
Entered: {"hour": 4, "minute": 12, "second": 25}
